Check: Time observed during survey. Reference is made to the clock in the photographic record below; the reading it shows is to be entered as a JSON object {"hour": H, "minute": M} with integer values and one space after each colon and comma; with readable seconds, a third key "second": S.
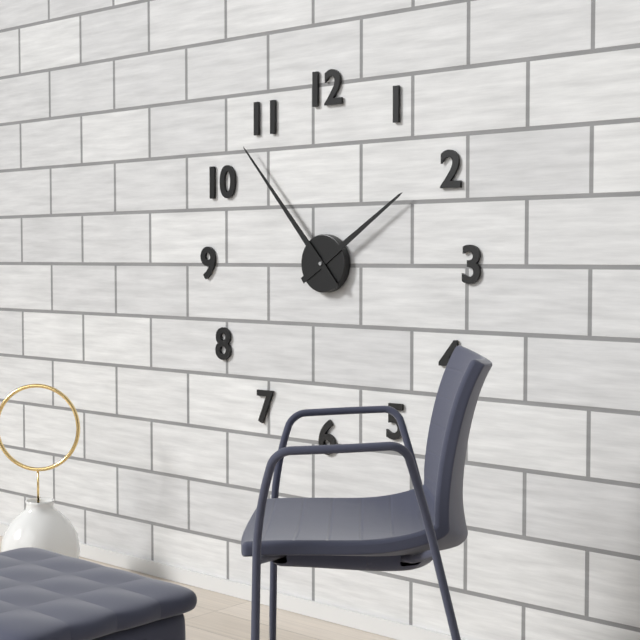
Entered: {"hour": 1, "minute": 53}
